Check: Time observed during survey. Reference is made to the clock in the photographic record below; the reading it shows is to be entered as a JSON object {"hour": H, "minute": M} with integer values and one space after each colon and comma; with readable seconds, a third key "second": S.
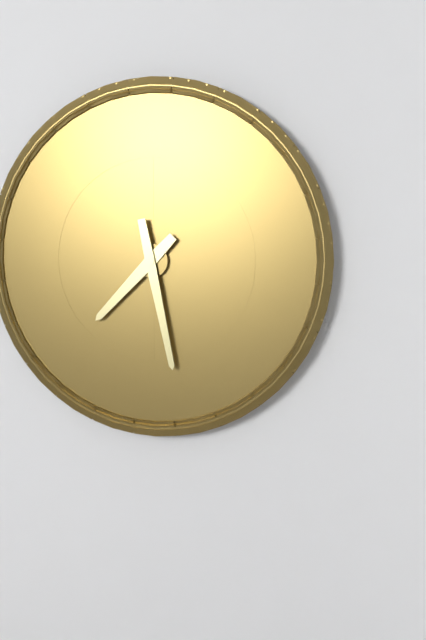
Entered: {"hour": 7, "minute": 28}
